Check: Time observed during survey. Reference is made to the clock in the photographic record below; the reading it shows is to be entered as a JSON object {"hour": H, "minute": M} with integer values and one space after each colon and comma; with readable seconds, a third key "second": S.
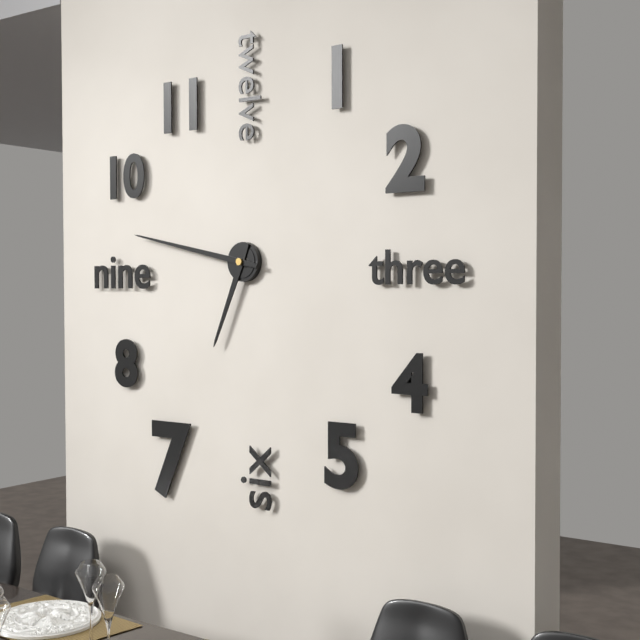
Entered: {"hour": 6, "minute": 47}
